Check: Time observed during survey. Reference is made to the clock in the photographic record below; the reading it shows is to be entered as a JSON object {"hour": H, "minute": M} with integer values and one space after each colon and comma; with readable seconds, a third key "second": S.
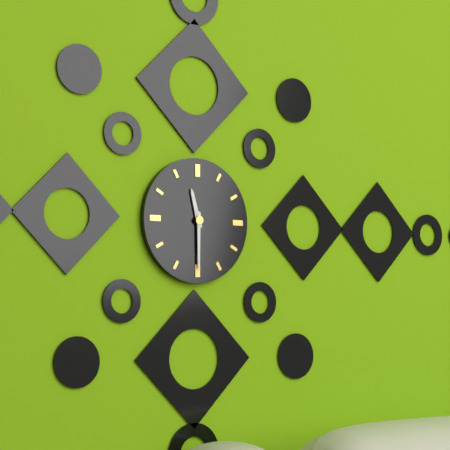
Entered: {"hour": 11, "minute": 30}
